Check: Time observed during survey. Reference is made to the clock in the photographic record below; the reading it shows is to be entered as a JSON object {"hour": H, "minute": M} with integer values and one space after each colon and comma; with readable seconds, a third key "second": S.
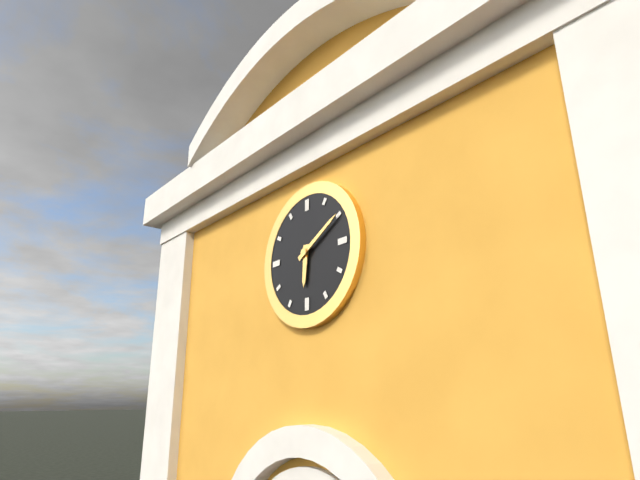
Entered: {"hour": 6, "minute": 10}
